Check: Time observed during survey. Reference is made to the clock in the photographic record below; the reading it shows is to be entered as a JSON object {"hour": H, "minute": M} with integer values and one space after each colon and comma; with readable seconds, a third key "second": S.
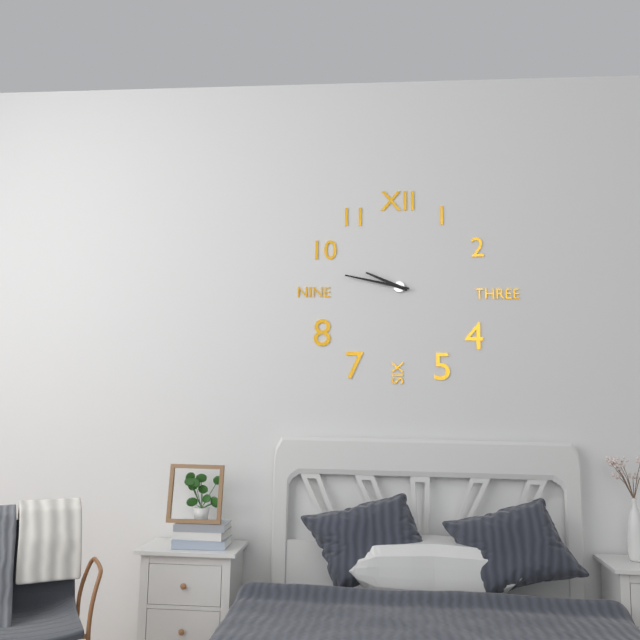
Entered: {"hour": 9, "minute": 47}
